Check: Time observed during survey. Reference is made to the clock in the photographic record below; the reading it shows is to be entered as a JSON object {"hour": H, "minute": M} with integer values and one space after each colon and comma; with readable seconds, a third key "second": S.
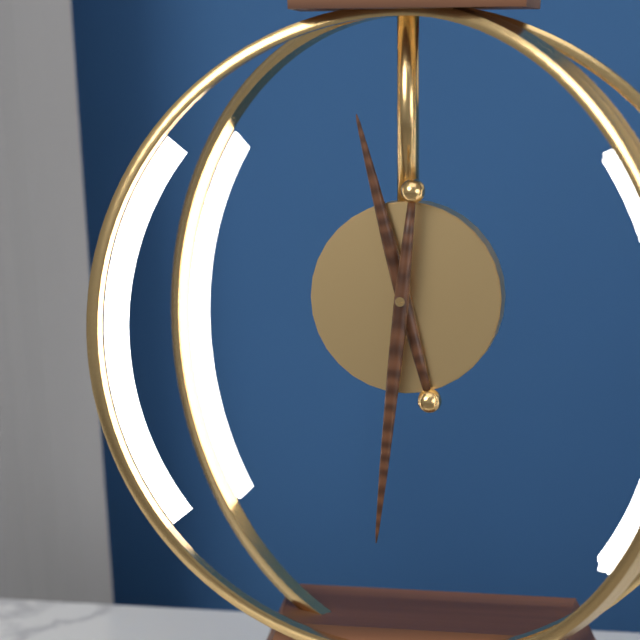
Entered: {"hour": 11, "minute": 31}
